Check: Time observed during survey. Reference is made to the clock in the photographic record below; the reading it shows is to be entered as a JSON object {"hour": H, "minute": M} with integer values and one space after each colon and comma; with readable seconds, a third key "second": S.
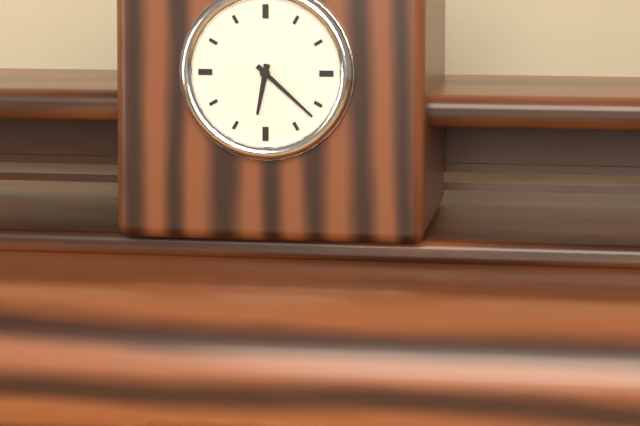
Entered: {"hour": 6, "minute": 22}
